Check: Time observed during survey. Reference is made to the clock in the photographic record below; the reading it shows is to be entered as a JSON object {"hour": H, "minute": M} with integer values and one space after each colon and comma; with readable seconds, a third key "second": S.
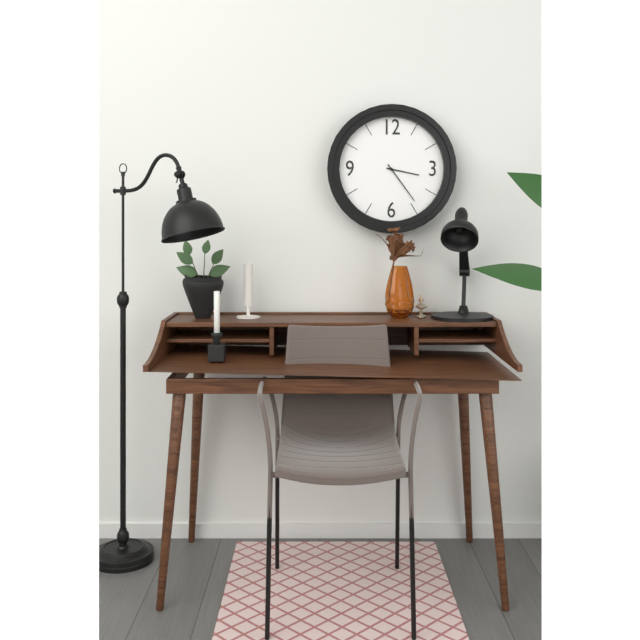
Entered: {"hour": 3, "minute": 24}
